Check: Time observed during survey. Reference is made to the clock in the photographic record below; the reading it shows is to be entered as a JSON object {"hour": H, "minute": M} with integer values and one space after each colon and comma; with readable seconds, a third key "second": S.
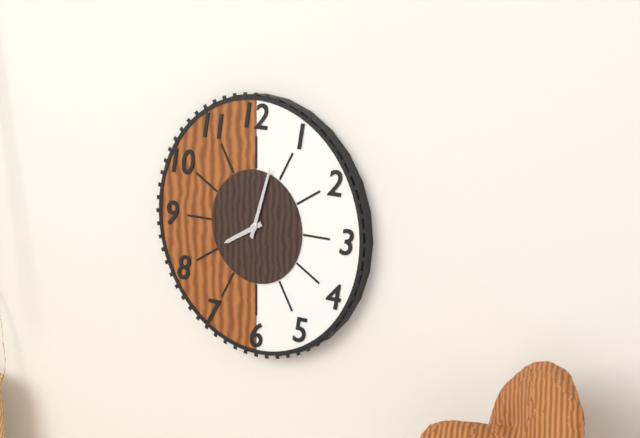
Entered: {"hour": 8, "minute": 3}
